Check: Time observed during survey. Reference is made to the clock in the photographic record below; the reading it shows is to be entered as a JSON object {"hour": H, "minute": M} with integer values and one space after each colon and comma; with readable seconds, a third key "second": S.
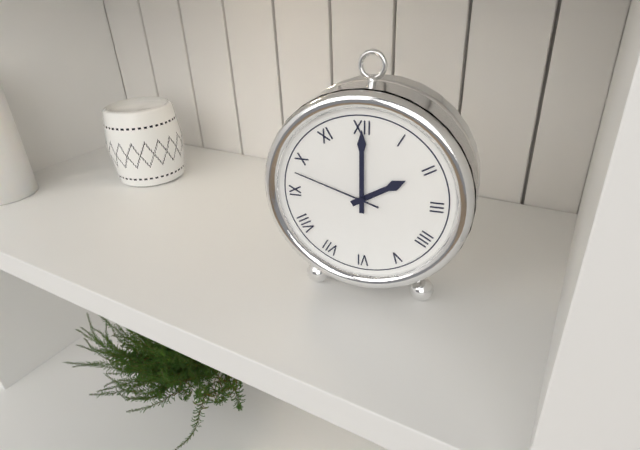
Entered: {"hour": 2, "minute": 0, "second": 48}
